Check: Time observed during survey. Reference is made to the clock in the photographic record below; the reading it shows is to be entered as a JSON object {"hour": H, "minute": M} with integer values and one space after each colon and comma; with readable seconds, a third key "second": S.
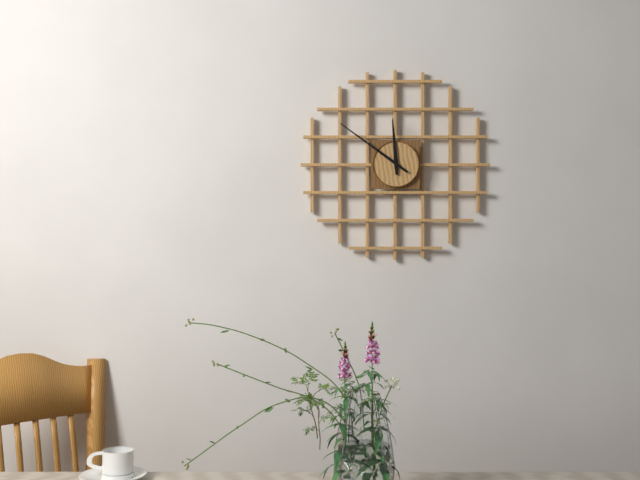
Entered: {"hour": 11, "minute": 51}
